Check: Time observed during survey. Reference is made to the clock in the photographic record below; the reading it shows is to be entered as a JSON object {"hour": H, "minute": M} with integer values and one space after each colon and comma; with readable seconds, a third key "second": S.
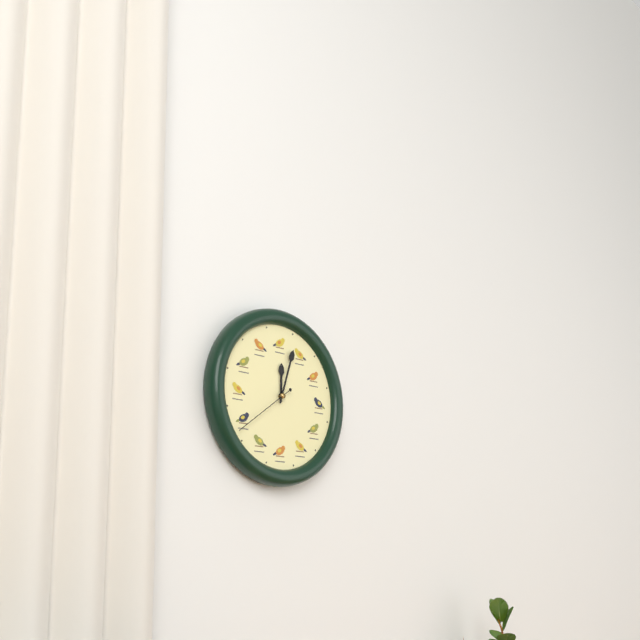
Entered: {"hour": 12, "minute": 3, "second": 39}
